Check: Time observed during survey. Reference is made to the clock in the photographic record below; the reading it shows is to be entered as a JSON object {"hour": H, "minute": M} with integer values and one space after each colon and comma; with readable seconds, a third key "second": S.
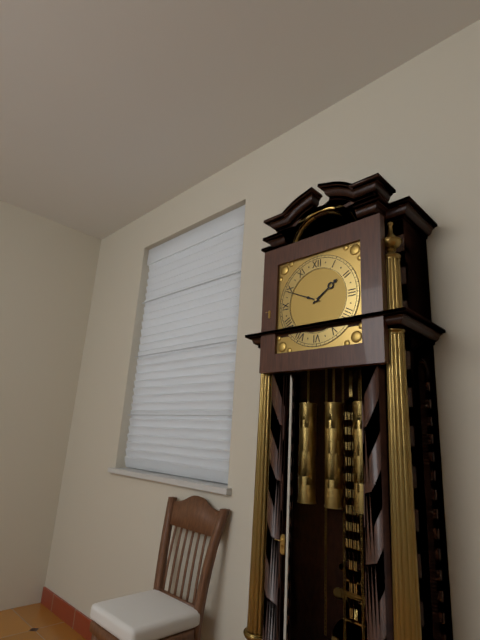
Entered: {"hour": 1, "minute": 49}
